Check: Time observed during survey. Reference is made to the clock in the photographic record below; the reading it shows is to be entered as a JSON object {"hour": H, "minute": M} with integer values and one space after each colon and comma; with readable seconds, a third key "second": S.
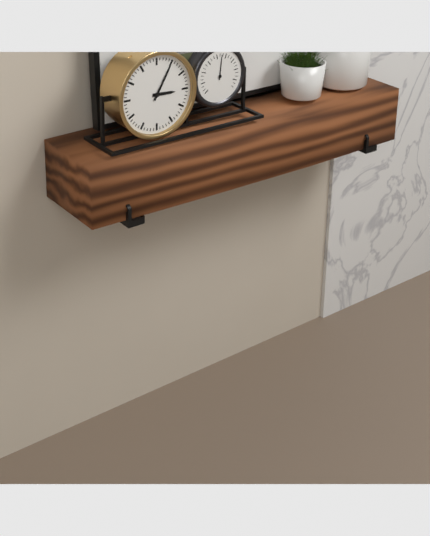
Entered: {"hour": 3, "minute": 5}
